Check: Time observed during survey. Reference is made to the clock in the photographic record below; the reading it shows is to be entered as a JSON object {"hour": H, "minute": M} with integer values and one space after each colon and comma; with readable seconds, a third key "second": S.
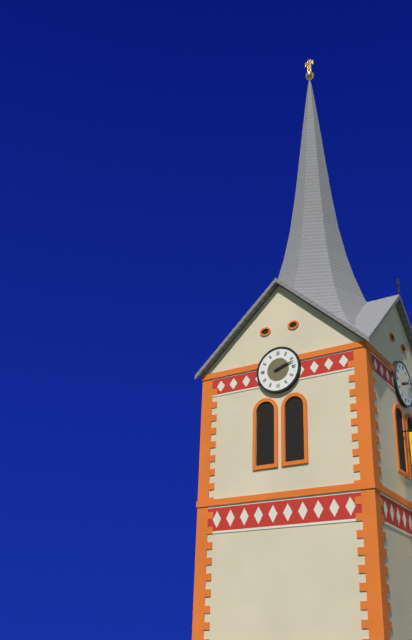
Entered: {"hour": 2, "minute": 12}
